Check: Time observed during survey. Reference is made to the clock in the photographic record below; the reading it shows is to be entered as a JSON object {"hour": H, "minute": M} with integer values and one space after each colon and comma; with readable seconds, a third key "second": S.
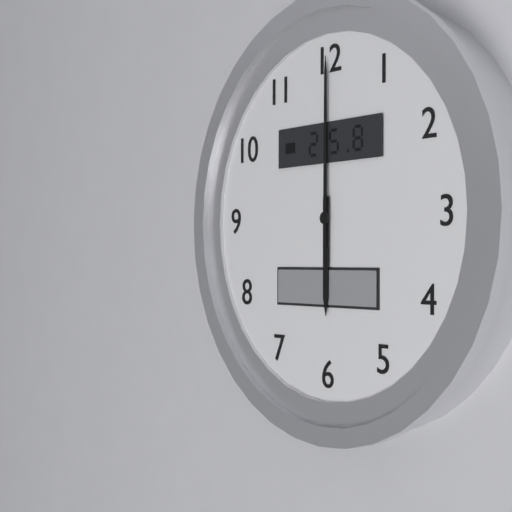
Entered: {"hour": 6, "minute": 0}
